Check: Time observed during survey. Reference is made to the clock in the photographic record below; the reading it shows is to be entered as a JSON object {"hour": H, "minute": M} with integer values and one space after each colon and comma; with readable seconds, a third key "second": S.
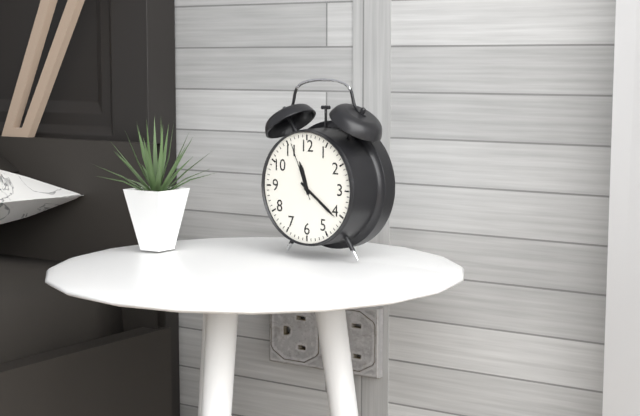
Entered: {"hour": 11, "minute": 21, "second": 56}
